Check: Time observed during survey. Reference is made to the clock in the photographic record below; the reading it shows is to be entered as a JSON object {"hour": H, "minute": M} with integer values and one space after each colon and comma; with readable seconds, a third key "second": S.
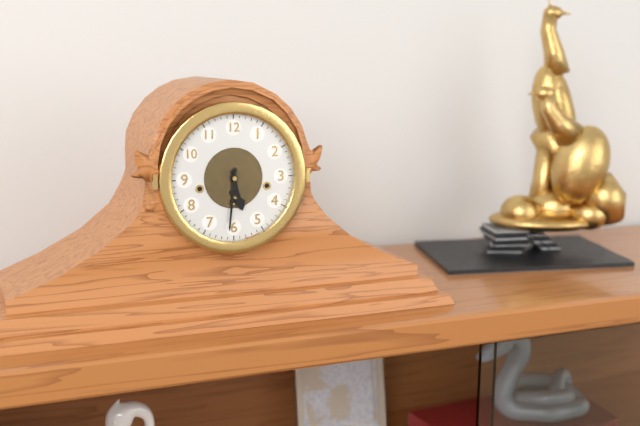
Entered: {"hour": 5, "minute": 31}
